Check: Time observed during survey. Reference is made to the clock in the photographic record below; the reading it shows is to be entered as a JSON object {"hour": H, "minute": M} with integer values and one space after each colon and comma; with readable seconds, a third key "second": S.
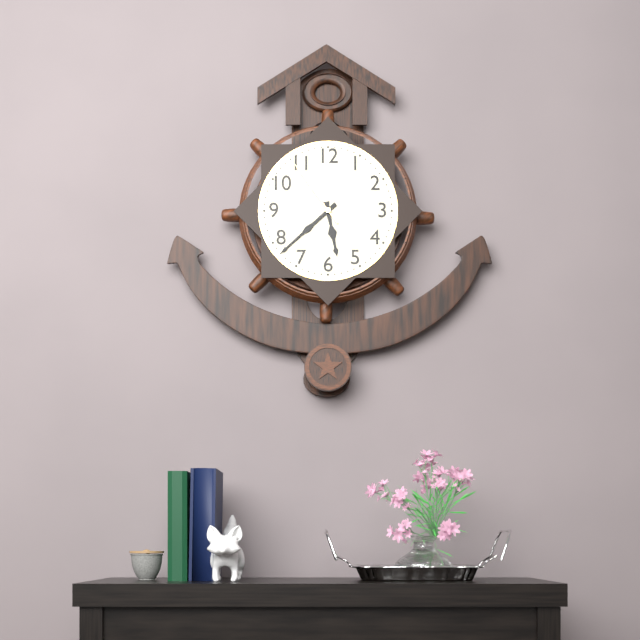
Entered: {"hour": 5, "minute": 38, "second": 54}
